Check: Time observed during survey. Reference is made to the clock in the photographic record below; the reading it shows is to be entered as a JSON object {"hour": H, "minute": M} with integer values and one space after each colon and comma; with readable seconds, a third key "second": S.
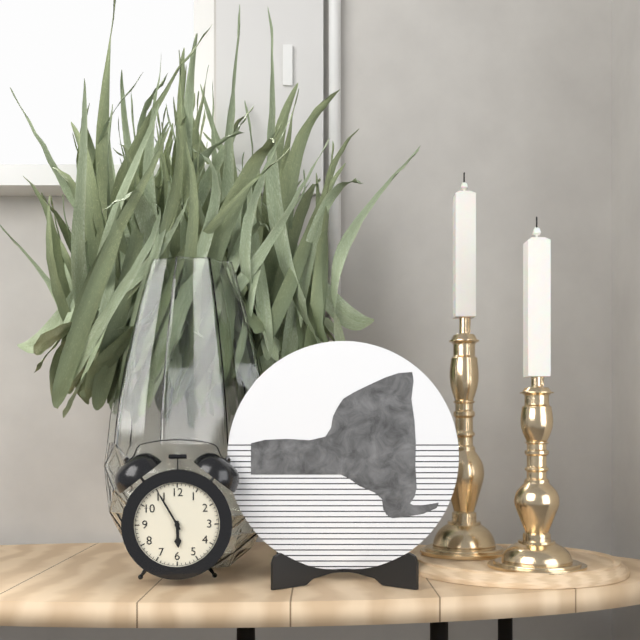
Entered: {"hour": 5, "minute": 55}
